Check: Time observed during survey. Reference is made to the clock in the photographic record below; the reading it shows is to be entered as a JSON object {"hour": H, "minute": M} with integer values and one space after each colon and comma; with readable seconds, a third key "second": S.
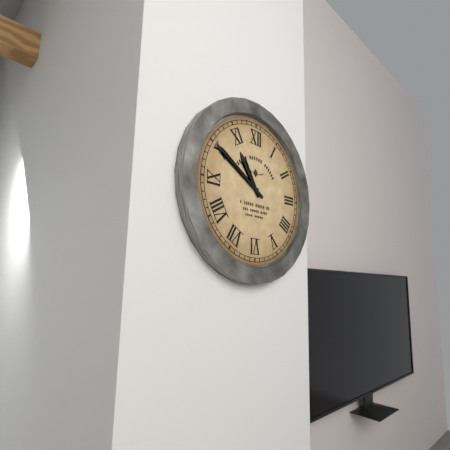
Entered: {"hour": 10, "minute": 50}
